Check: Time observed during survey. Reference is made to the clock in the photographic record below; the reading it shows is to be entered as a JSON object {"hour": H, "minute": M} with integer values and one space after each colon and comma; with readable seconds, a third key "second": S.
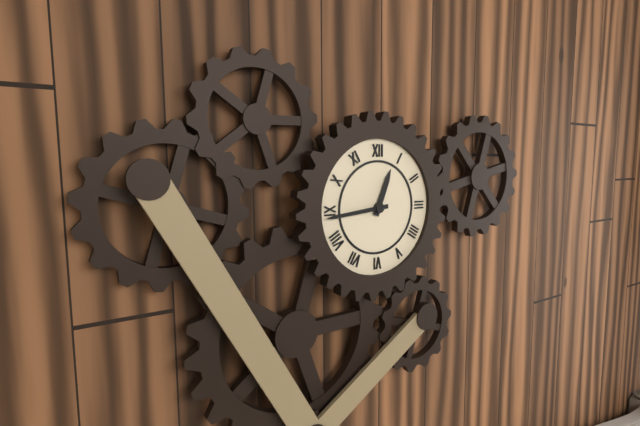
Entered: {"hour": 12, "minute": 44}
